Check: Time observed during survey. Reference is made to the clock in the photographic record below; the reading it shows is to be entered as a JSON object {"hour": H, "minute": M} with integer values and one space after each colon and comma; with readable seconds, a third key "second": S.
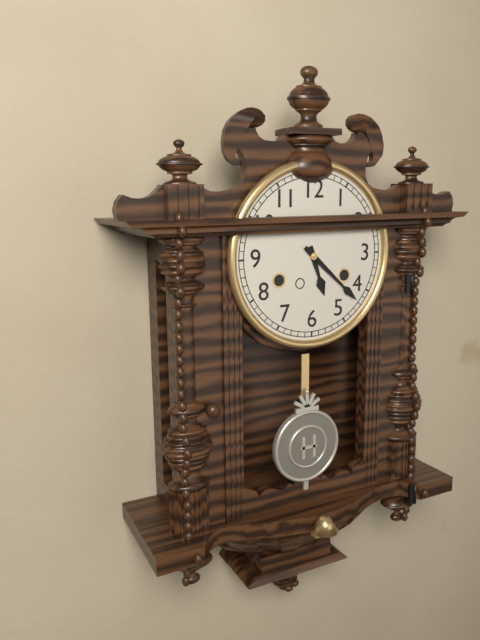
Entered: {"hour": 5, "minute": 22}
